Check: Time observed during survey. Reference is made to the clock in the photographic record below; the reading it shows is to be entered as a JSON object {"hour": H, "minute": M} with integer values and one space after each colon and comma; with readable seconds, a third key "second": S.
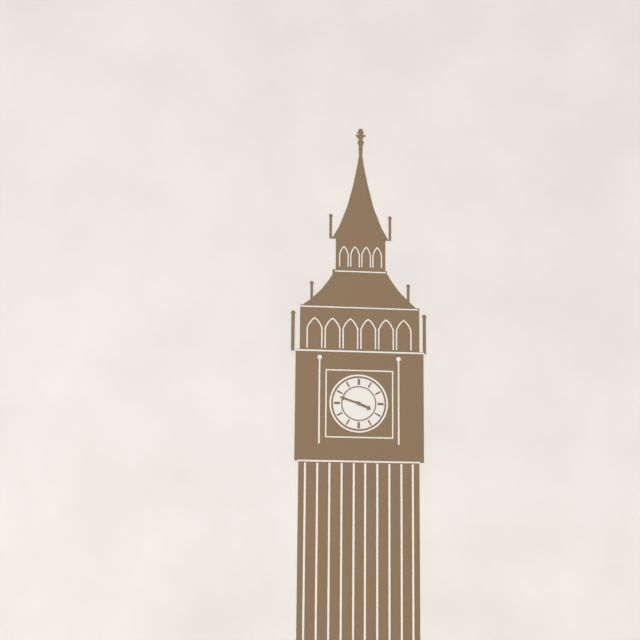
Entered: {"hour": 3, "minute": 48}
